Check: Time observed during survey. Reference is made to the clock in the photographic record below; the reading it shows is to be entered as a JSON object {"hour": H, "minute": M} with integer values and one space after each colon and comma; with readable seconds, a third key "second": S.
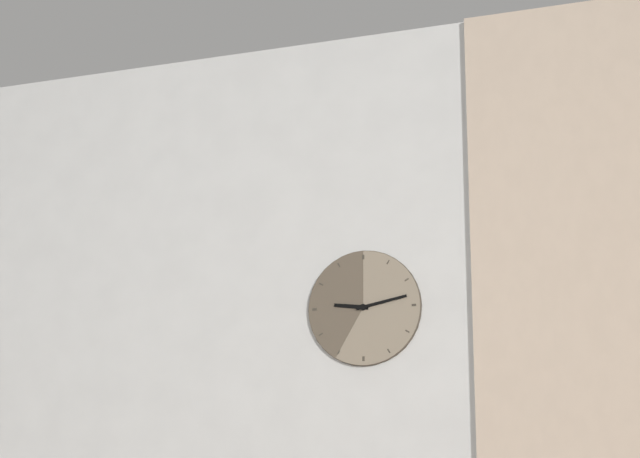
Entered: {"hour": 9, "minute": 13}
